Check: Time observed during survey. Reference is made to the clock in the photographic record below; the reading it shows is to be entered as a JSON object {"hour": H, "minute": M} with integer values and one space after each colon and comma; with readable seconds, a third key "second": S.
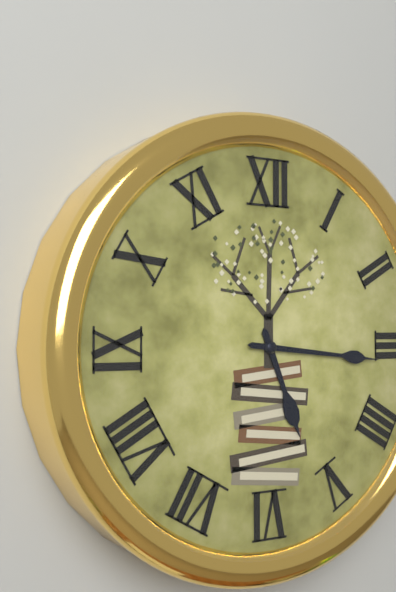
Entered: {"hour": 5, "minute": 16}
